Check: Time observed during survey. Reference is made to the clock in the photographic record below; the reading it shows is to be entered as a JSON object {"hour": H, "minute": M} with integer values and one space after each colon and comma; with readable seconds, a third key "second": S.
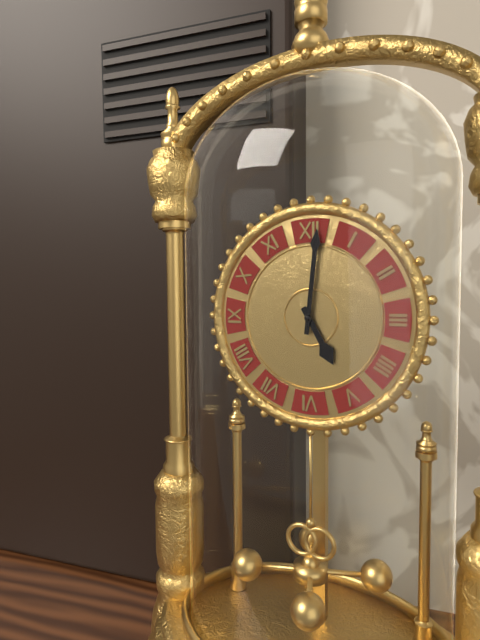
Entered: {"hour": 5, "minute": 1}
